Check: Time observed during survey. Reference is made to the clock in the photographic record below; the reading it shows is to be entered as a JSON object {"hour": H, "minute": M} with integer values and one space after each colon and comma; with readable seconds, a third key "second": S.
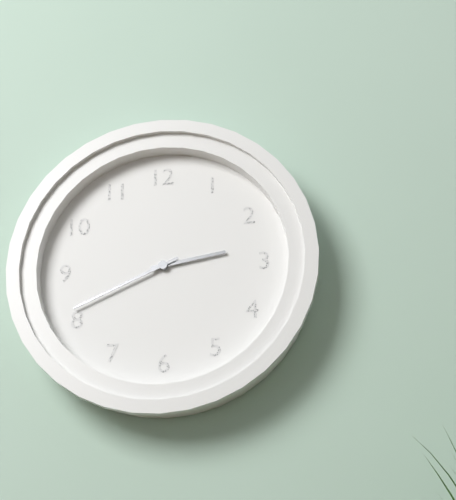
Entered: {"hour": 2, "minute": 41}
